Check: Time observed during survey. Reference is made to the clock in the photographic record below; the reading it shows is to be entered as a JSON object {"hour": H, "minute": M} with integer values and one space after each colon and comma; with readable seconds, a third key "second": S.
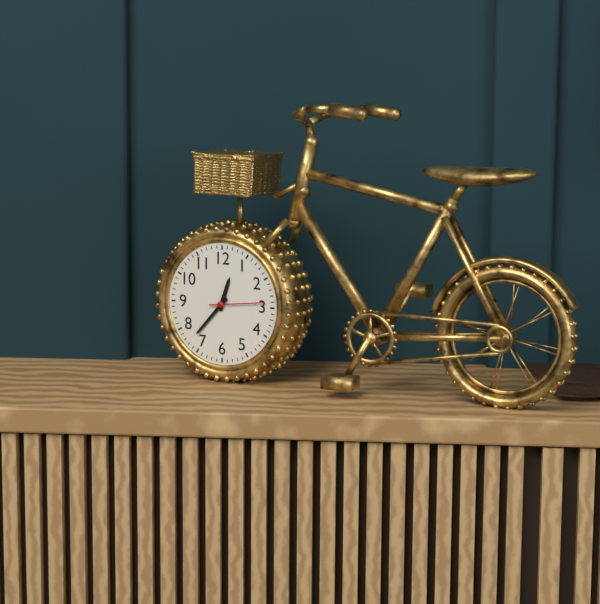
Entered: {"hour": 12, "minute": 37, "second": 14}
